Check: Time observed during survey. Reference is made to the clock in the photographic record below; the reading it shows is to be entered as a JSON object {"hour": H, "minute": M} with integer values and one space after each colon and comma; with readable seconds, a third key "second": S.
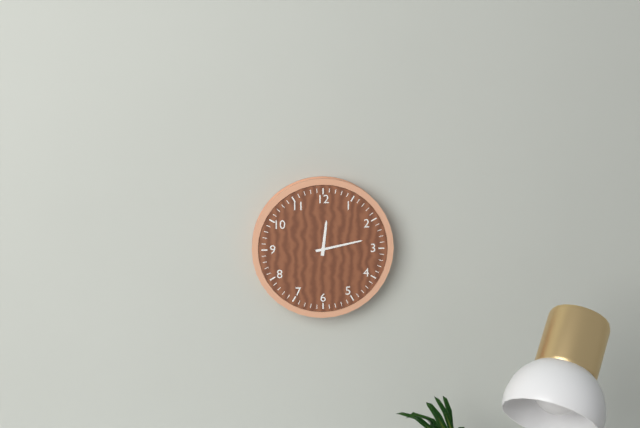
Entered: {"hour": 12, "minute": 13}
